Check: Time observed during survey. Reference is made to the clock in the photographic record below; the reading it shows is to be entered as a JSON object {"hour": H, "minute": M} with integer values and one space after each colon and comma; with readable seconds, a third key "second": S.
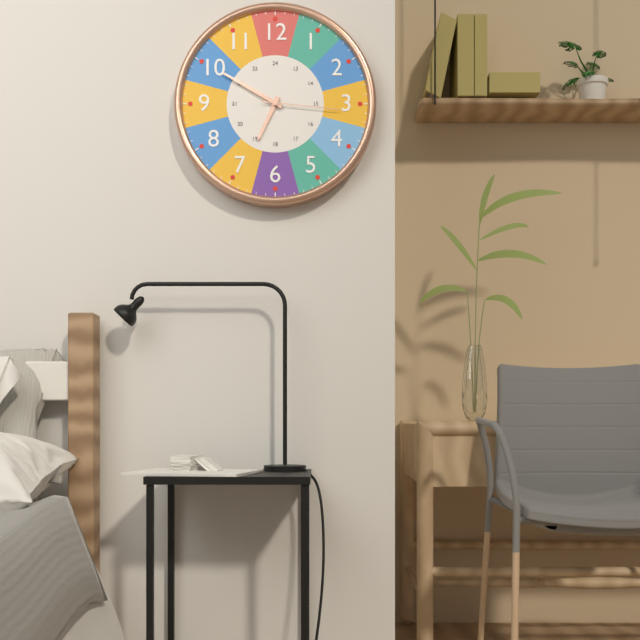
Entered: {"hour": 6, "minute": 50, "second": 16}
